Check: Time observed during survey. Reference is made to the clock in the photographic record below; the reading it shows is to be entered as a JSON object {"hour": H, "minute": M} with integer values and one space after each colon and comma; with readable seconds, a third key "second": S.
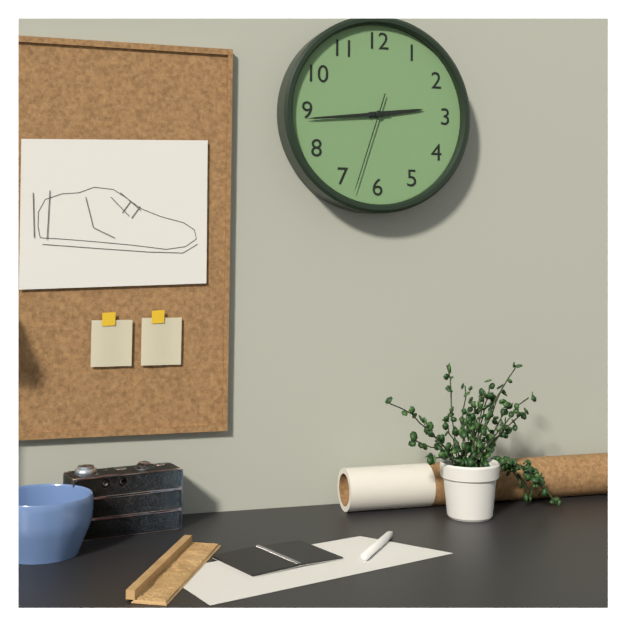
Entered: {"hour": 2, "minute": 44, "second": 33}
